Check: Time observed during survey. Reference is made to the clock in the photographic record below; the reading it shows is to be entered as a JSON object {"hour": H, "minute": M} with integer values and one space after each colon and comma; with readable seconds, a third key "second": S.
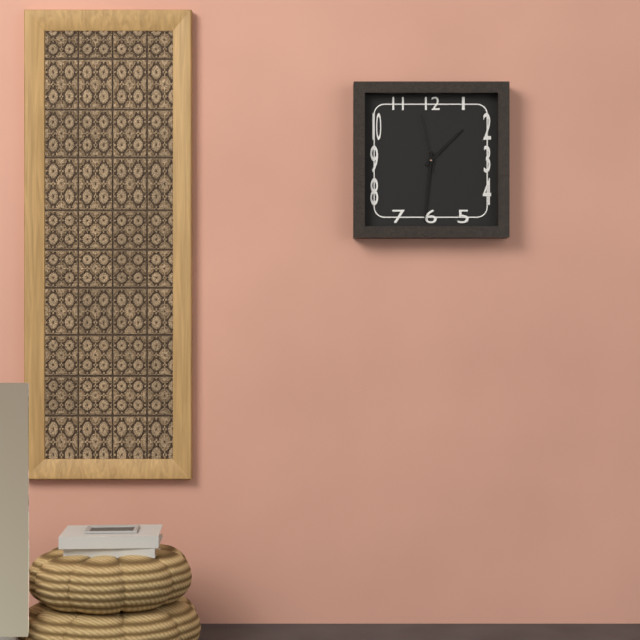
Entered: {"hour": 1, "minute": 31, "second": 58}
